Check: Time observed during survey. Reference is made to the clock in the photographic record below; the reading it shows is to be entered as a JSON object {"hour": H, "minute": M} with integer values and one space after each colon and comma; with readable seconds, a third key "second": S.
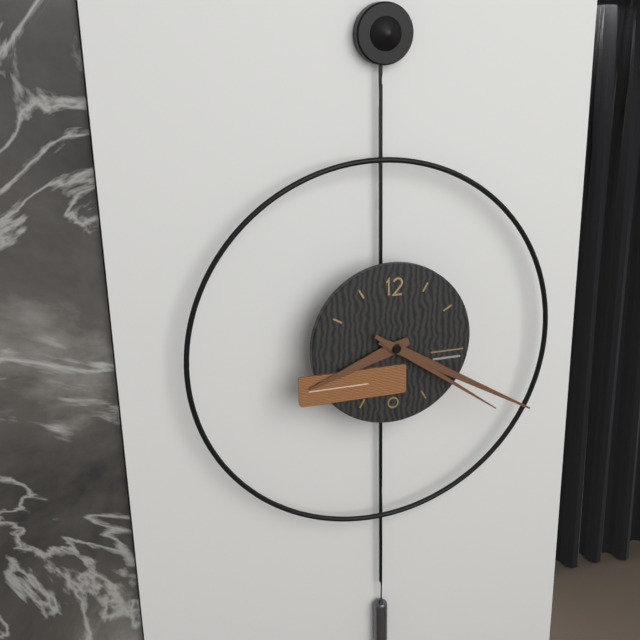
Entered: {"hour": 8, "minute": 20, "second": 21}
